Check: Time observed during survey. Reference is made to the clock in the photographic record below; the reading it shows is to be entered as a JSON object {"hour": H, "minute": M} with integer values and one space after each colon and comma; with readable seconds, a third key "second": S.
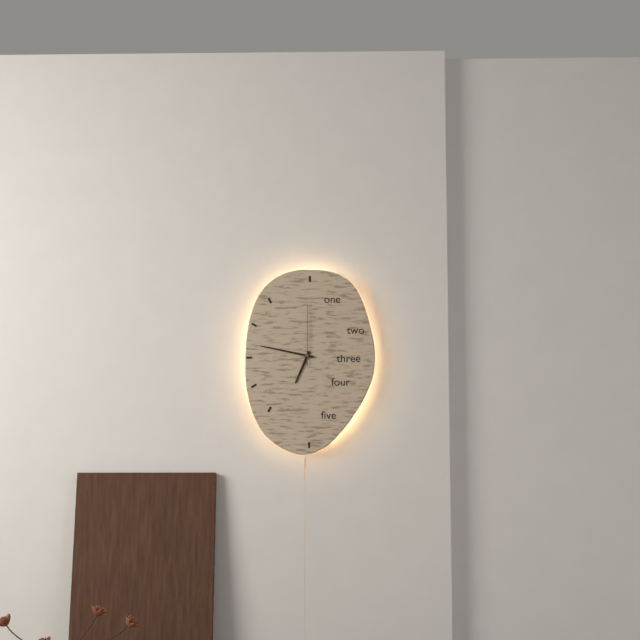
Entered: {"hour": 6, "minute": 47, "second": 0}
